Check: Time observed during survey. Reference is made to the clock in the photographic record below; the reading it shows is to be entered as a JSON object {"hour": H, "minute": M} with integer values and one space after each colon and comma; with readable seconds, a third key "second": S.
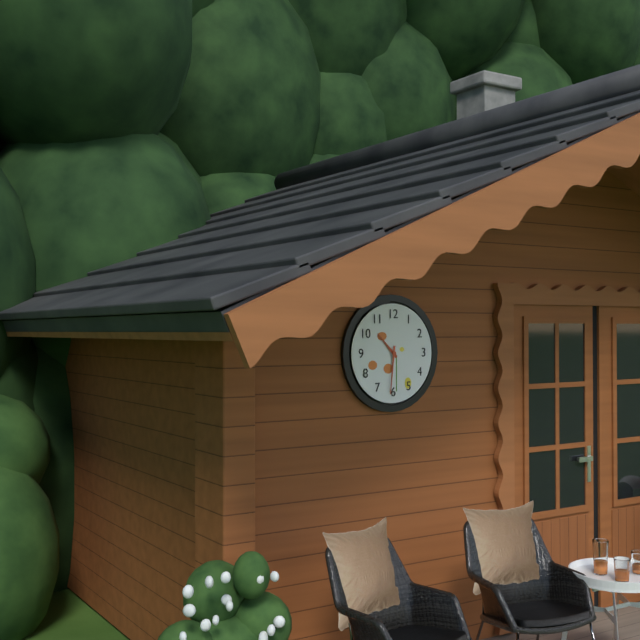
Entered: {"hour": 10, "minute": 31}
